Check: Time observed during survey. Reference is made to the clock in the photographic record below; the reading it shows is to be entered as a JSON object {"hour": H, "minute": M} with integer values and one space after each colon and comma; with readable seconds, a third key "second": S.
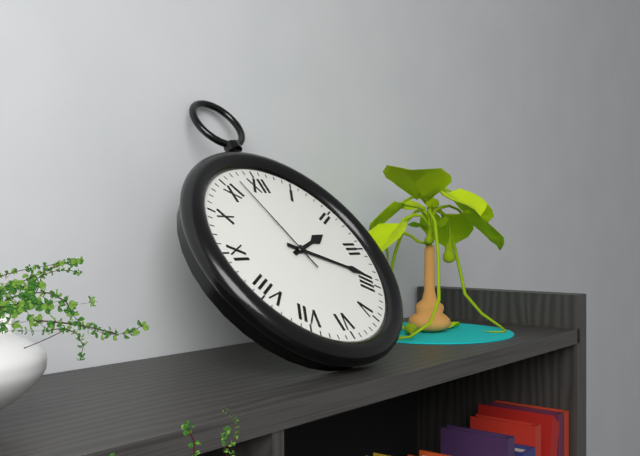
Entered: {"hour": 2, "minute": 19, "second": 57}
